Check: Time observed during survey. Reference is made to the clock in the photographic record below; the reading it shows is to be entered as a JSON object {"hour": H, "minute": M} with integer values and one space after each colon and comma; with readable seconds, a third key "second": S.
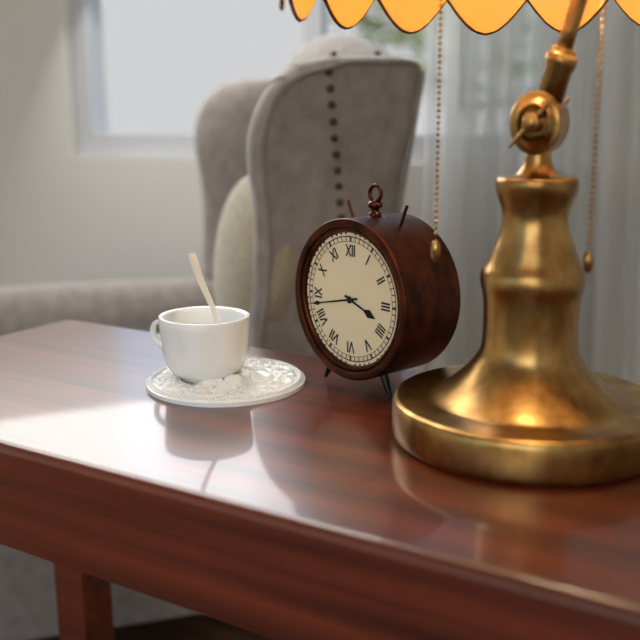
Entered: {"hour": 3, "minute": 43}
